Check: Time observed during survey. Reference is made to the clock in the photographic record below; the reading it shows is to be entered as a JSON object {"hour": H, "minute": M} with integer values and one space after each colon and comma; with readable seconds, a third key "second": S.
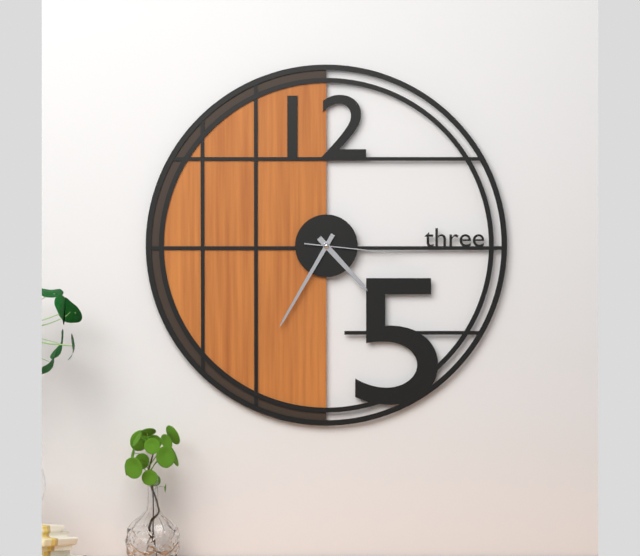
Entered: {"hour": 4, "minute": 35, "second": 16}
